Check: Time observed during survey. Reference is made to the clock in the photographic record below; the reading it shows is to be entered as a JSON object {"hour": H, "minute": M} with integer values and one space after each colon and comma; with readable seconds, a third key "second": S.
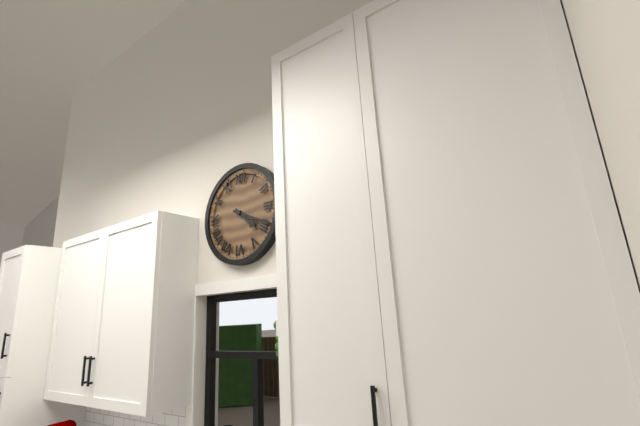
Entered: {"hour": 4, "minute": 19}
